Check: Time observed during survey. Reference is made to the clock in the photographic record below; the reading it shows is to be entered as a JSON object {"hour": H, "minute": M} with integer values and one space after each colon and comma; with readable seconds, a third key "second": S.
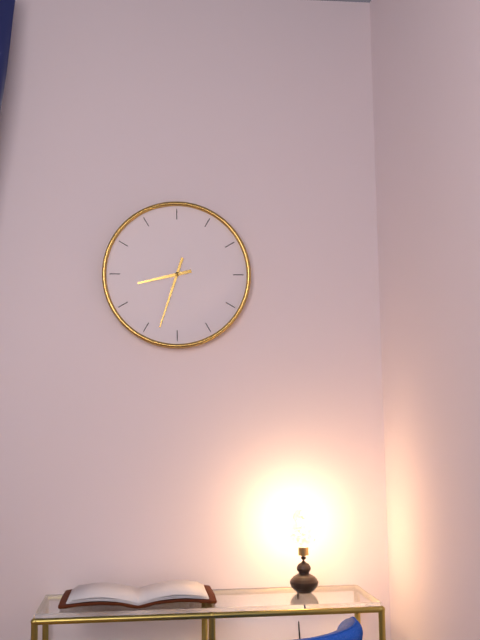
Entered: {"hour": 8, "minute": 33}
